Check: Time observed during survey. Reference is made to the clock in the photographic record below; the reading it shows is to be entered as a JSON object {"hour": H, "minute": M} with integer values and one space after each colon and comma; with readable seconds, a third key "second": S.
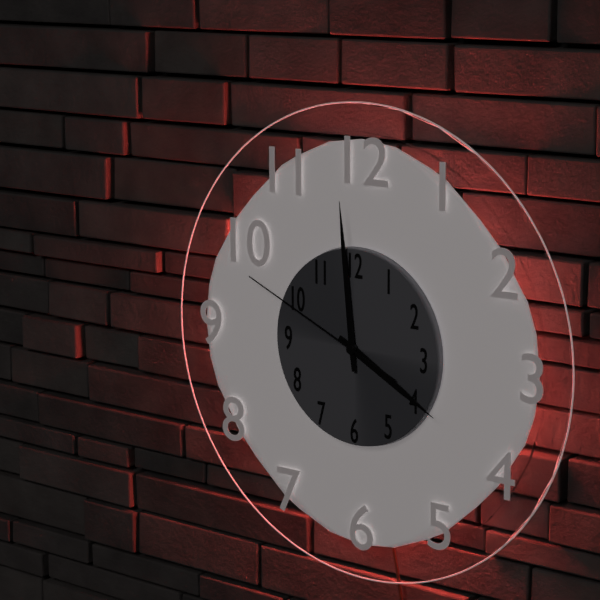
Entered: {"hour": 3, "minute": 59, "second": 49}
